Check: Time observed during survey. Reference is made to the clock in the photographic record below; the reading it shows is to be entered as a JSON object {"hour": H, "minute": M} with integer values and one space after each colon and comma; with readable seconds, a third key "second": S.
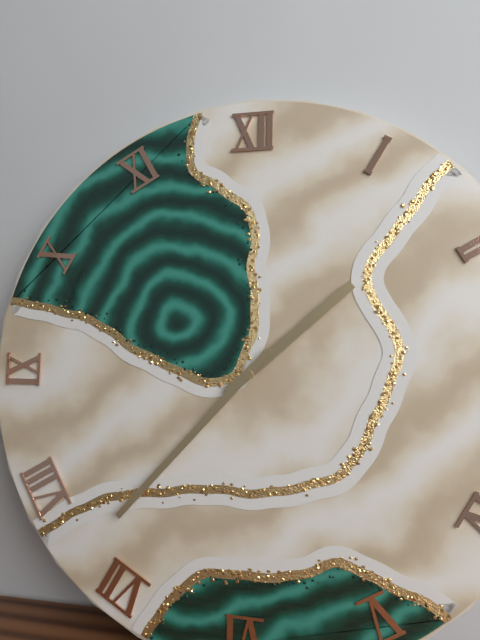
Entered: {"hour": 1, "minute": 37}
